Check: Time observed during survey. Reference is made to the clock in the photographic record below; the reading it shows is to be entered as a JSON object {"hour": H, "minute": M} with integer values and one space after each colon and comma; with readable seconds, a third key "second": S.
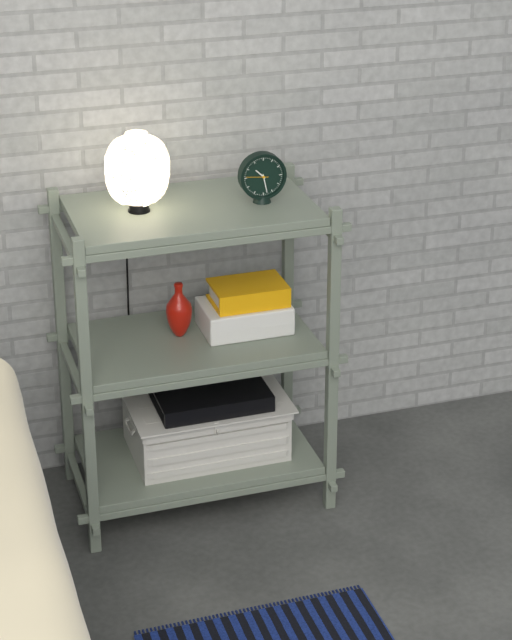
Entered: {"hour": 10, "minute": 28}
